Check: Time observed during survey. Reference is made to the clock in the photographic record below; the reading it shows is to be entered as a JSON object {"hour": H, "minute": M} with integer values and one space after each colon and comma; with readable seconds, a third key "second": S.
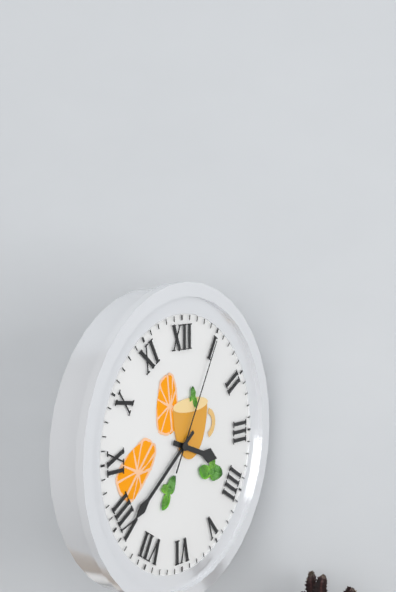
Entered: {"hour": 3, "minute": 39, "second": 5}
